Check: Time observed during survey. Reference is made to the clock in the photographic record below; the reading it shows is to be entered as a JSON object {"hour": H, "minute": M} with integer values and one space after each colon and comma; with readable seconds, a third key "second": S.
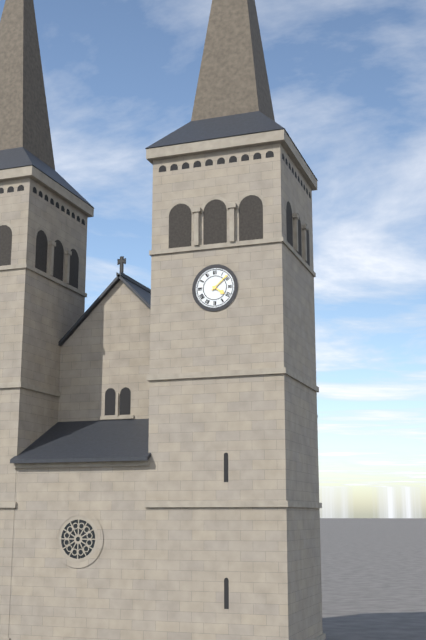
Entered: {"hour": 4, "minute": 8}
